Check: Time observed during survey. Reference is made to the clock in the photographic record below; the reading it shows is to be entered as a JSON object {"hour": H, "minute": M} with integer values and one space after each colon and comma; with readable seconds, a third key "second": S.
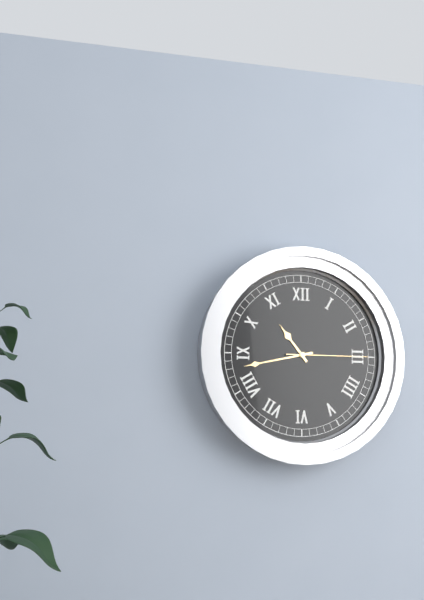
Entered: {"hour": 10, "minute": 43, "second": 15}
